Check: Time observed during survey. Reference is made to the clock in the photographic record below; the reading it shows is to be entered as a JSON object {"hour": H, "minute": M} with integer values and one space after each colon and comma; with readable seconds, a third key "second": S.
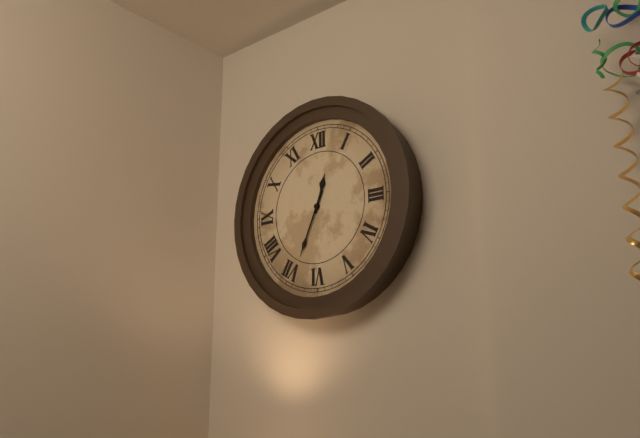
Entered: {"hour": 12, "minute": 34}
